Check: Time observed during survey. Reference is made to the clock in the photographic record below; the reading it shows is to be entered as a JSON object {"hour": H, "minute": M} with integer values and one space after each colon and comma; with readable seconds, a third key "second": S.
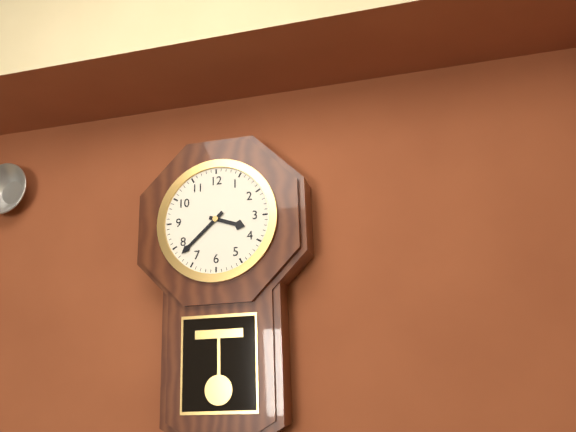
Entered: {"hour": 3, "minute": 38}
